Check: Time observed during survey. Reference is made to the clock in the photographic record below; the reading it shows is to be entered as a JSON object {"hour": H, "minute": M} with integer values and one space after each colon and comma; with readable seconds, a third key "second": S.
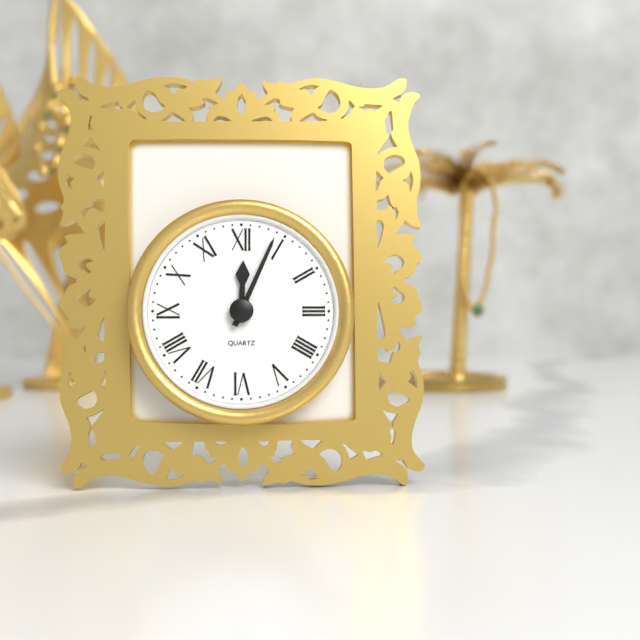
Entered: {"hour": 12, "minute": 4}
